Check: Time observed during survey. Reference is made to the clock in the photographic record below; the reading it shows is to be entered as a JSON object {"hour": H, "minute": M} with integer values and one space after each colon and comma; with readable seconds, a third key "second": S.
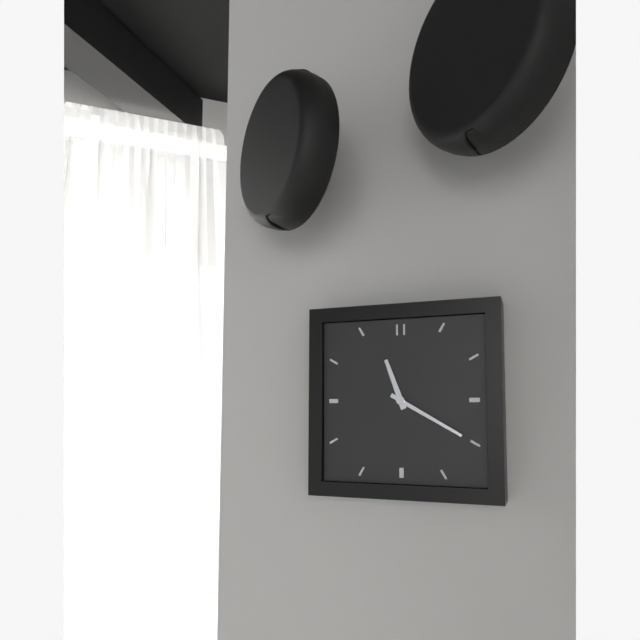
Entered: {"hour": 11, "minute": 20}
